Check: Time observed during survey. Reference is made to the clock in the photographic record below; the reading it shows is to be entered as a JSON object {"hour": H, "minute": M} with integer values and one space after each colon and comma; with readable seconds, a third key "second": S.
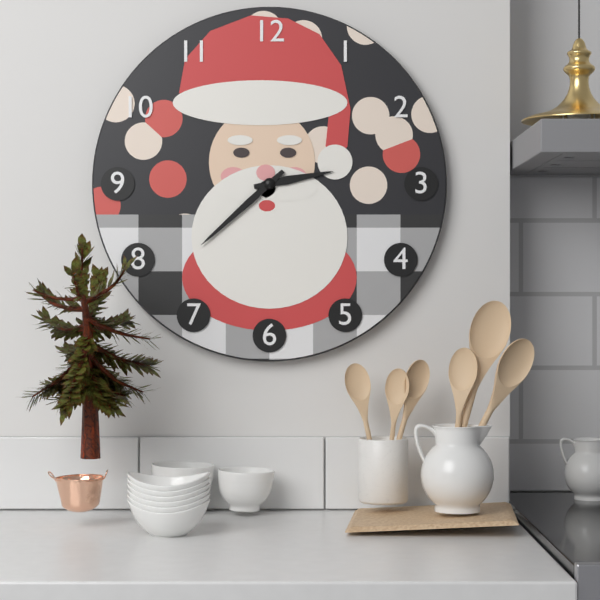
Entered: {"hour": 2, "minute": 38}
